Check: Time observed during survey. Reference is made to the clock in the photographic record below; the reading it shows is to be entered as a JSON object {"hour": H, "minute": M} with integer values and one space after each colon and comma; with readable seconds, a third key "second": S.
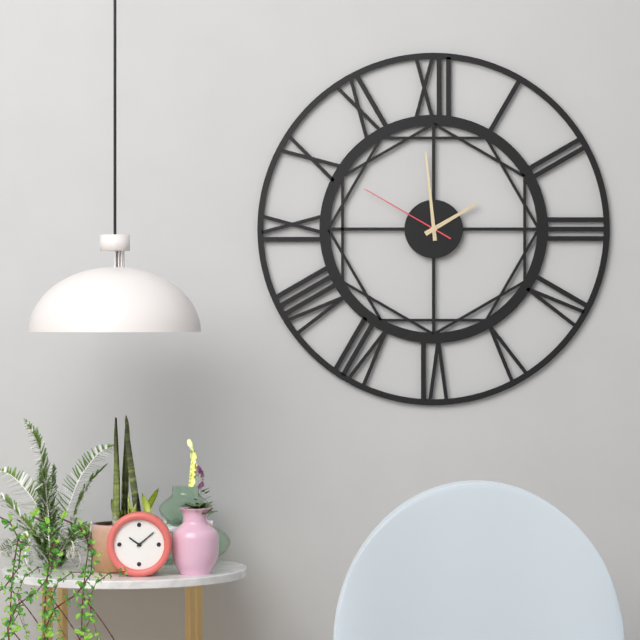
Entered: {"hour": 1, "minute": 59, "second": 50}
